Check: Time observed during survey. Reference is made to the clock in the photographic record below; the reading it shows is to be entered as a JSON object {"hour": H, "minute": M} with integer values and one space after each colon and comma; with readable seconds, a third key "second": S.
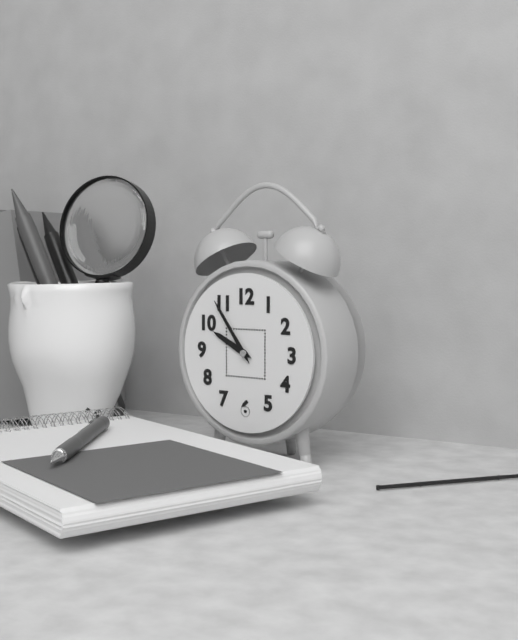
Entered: {"hour": 9, "minute": 54}
